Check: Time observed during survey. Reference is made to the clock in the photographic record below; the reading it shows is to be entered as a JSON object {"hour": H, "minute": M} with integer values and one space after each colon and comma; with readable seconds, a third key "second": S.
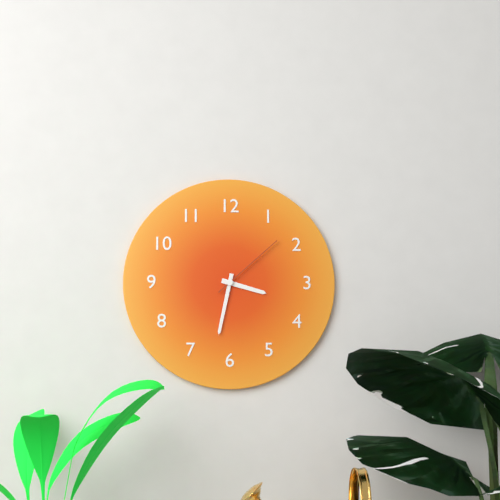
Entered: {"hour": 3, "minute": 32, "second": 8}
